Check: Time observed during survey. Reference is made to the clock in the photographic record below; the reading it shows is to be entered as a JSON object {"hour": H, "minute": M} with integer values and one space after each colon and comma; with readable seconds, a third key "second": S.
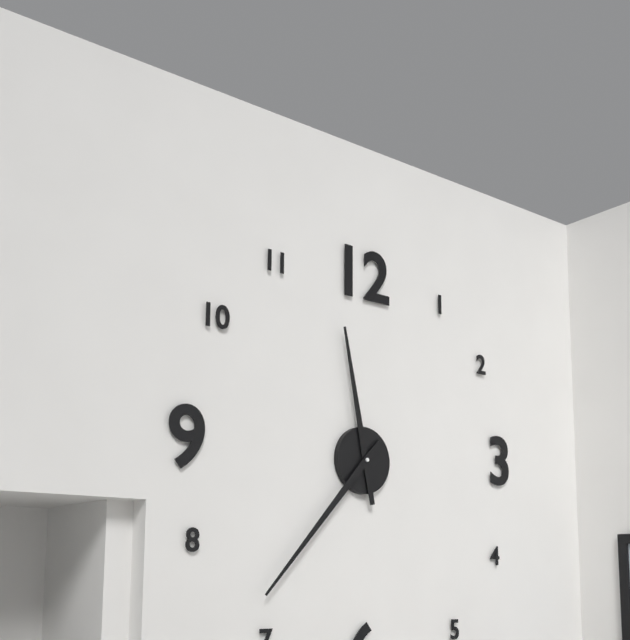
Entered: {"hour": 11, "minute": 37}
